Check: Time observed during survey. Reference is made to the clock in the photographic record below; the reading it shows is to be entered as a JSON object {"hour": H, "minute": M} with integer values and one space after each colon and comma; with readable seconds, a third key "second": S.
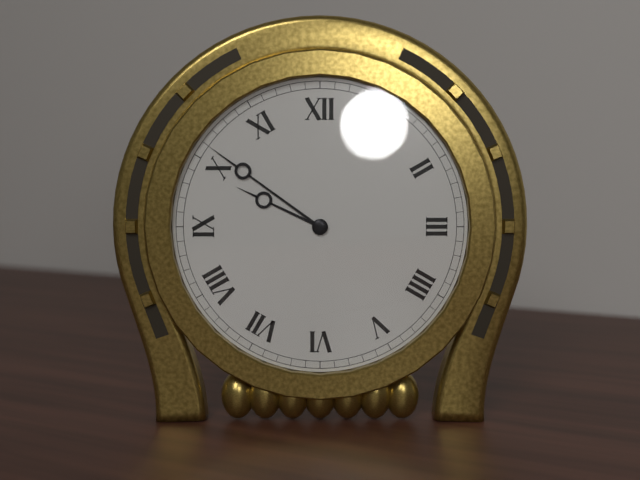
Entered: {"hour": 9, "minute": 51}
